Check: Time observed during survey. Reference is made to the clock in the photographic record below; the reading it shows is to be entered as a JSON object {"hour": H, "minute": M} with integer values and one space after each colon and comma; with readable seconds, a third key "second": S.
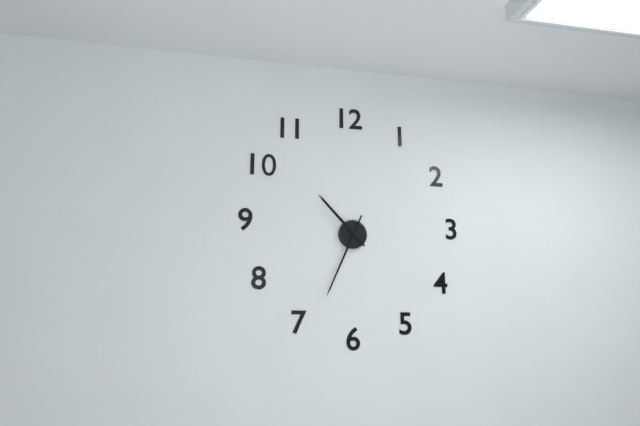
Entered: {"hour": 10, "minute": 34}
